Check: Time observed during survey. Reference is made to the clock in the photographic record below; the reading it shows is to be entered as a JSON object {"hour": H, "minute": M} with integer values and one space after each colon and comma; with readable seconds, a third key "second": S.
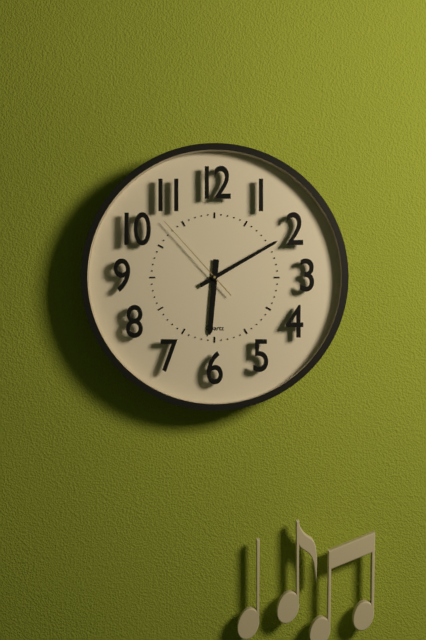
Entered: {"hour": 6, "minute": 10, "second": 53}
